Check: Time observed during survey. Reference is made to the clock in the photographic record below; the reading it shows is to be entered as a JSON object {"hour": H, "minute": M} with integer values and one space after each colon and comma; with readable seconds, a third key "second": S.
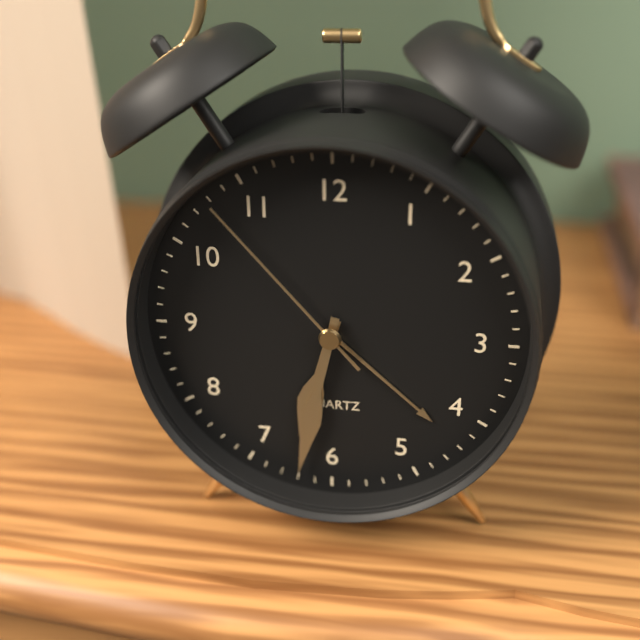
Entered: {"hour": 6, "minute": 32, "second": 53}
